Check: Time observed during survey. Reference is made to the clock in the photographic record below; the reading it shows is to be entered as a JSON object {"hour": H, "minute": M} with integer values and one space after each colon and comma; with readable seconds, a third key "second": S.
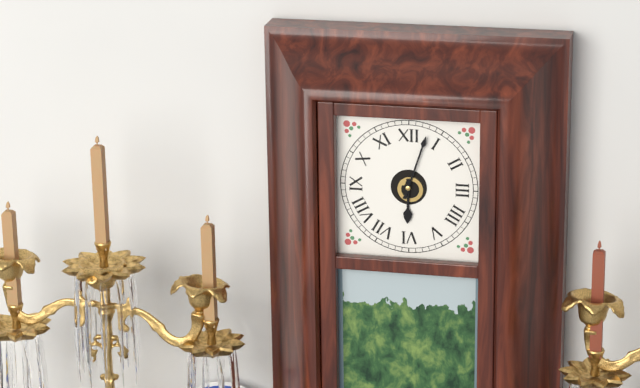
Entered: {"hour": 6, "minute": 3}
